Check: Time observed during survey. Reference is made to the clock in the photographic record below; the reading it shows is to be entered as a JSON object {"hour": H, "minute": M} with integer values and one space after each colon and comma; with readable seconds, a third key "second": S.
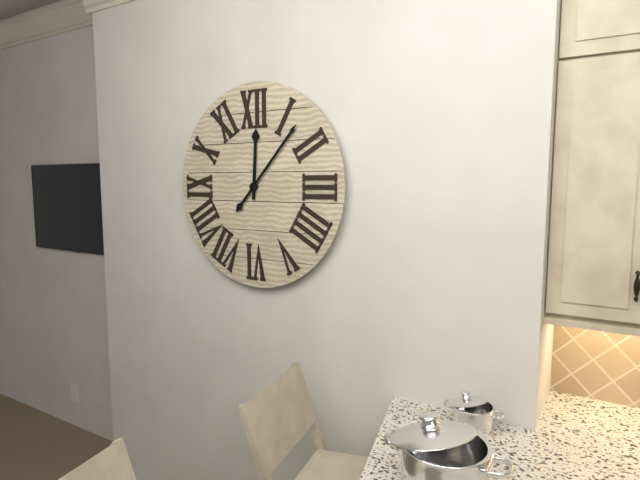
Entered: {"hour": 12, "minute": 7}
